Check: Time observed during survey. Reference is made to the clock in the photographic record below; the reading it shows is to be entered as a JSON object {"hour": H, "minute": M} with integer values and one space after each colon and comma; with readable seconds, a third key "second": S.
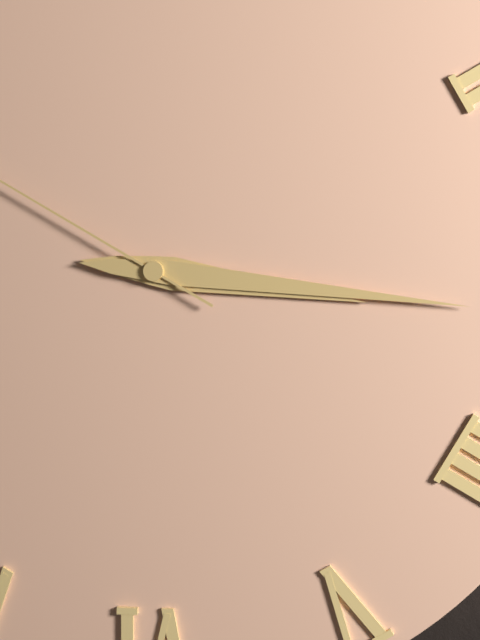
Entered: {"hour": 3, "minute": 16}
